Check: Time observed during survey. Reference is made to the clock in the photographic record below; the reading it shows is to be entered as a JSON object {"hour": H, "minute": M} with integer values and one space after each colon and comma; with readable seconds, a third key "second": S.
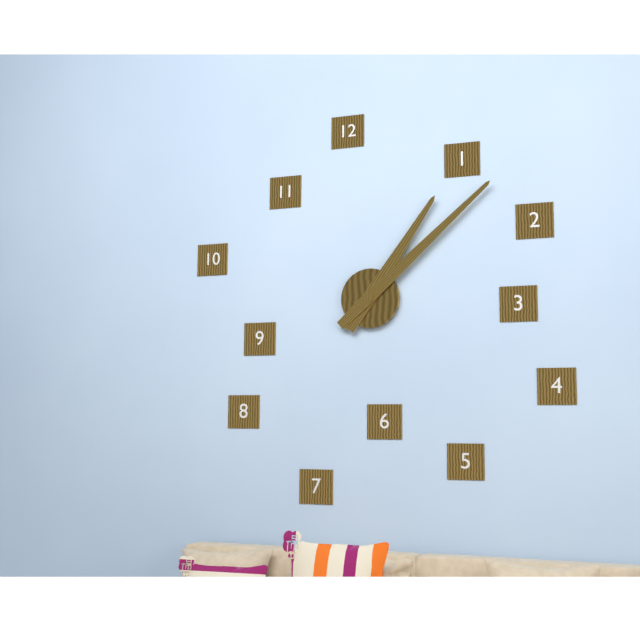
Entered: {"hour": 1, "minute": 8}
